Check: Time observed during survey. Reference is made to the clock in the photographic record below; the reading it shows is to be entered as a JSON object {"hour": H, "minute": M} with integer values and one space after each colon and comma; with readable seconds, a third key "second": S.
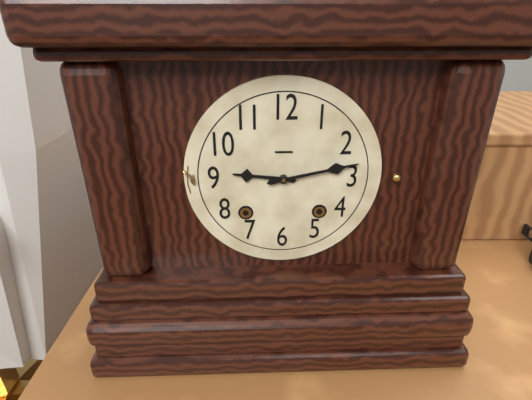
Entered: {"hour": 9, "minute": 13}
